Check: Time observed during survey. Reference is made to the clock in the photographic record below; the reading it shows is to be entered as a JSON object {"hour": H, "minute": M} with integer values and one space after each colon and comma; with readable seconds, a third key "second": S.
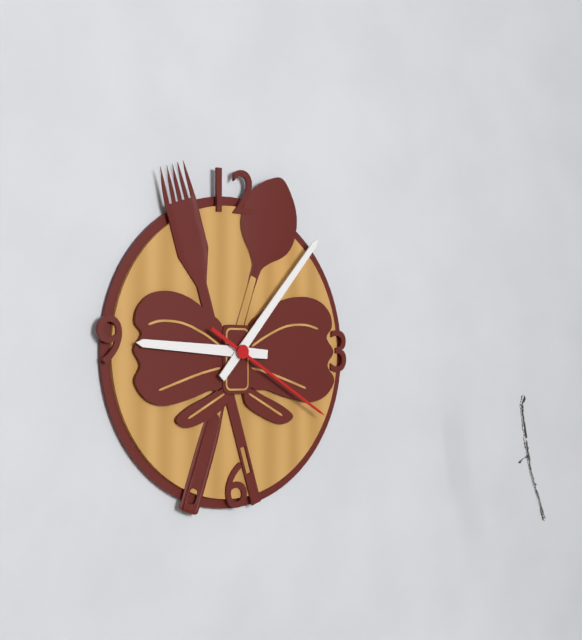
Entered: {"hour": 9, "minute": 7, "second": 20}
